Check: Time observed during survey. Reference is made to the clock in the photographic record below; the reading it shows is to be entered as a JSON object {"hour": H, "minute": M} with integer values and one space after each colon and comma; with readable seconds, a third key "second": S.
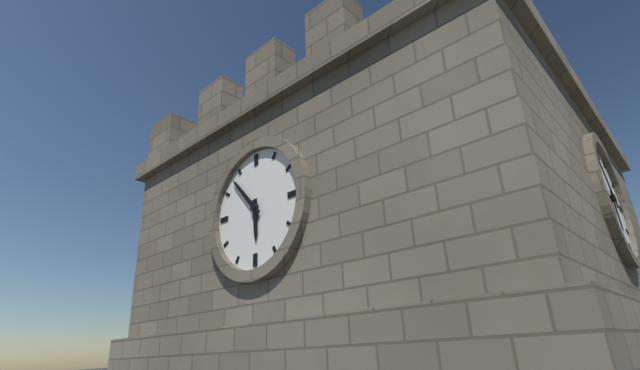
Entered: {"hour": 5, "minute": 53}
